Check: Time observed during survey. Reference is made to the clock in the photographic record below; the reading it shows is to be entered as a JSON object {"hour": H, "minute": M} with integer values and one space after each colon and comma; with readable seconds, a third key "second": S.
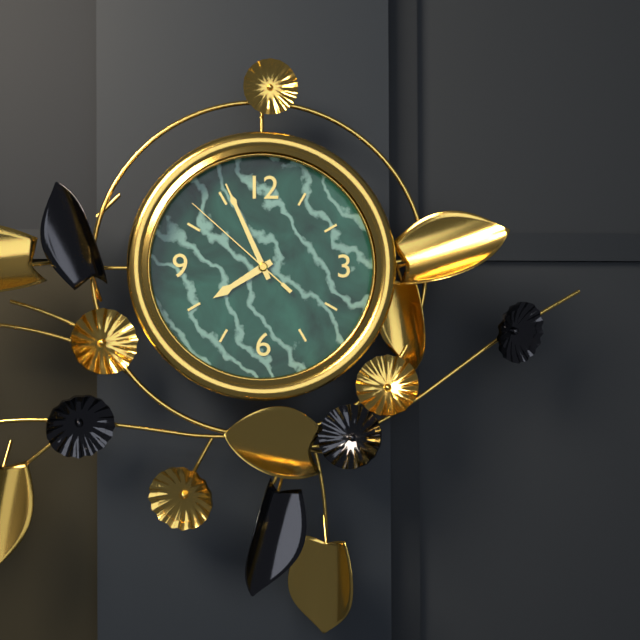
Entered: {"hour": 7, "minute": 56, "second": 52}
